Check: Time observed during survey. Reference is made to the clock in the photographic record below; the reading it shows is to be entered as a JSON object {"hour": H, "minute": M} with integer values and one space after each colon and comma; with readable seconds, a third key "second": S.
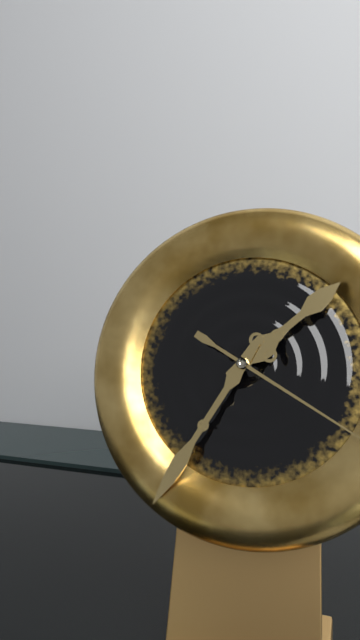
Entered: {"hour": 1, "minute": 35}
